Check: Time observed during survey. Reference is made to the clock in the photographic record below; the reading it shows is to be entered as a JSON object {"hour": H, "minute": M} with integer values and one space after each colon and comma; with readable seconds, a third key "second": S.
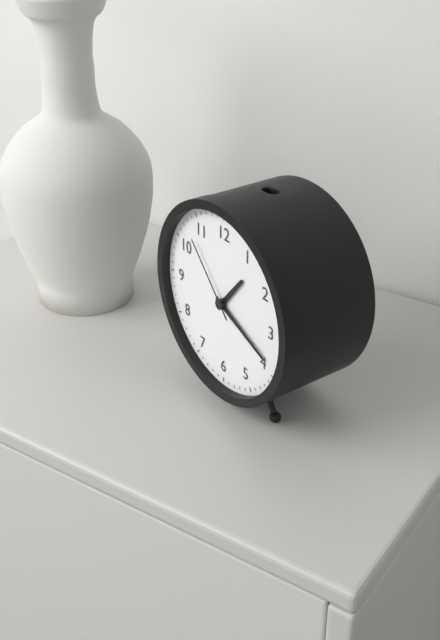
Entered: {"hour": 1, "minute": 19, "second": 53}
